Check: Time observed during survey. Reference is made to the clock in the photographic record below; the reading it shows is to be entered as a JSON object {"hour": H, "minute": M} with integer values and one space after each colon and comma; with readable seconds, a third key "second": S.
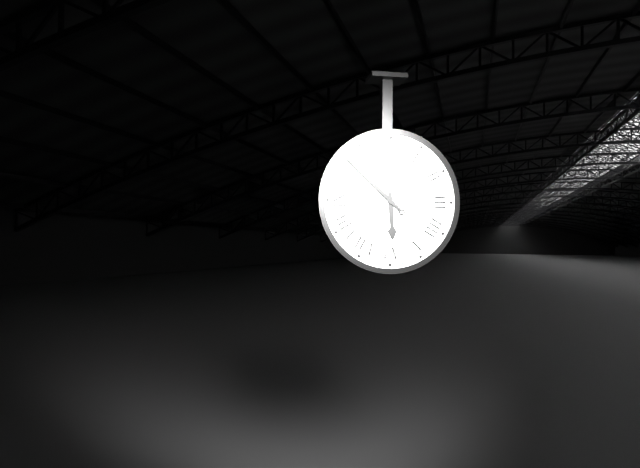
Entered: {"hour": 5, "minute": 52}
